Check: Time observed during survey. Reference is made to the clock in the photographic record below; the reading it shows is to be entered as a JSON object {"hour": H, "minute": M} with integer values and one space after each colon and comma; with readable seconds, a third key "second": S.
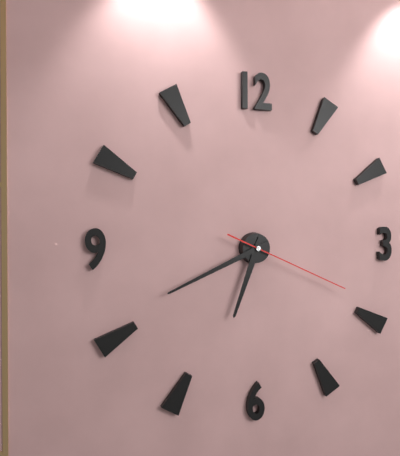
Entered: {"hour": 6, "minute": 41, "second": 19}
